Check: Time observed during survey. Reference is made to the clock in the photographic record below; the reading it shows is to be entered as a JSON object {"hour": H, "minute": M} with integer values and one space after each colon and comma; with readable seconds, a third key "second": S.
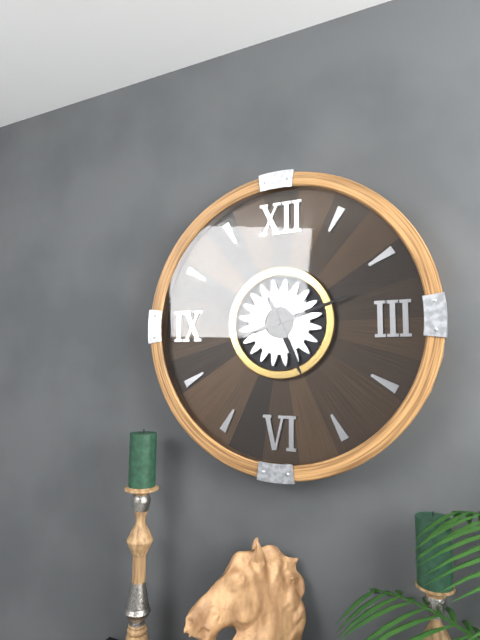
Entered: {"hour": 5, "minute": 12}
